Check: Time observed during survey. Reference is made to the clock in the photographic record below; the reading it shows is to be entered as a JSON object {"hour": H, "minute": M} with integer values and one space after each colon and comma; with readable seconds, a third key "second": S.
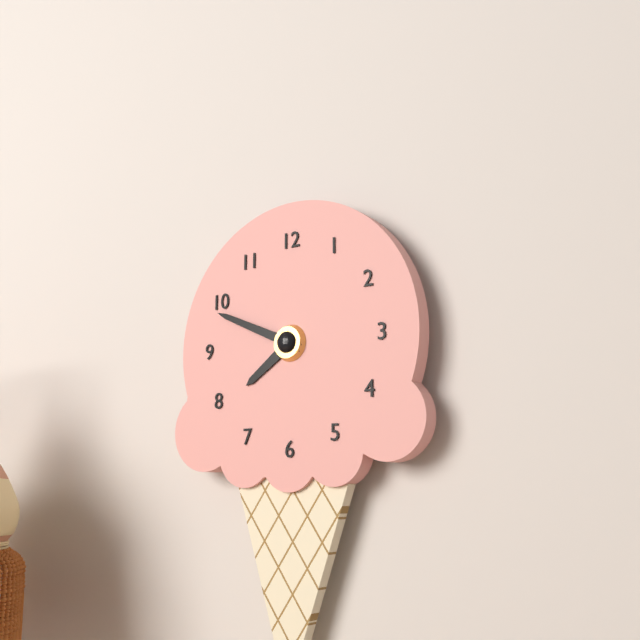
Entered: {"hour": 7, "minute": 49}
